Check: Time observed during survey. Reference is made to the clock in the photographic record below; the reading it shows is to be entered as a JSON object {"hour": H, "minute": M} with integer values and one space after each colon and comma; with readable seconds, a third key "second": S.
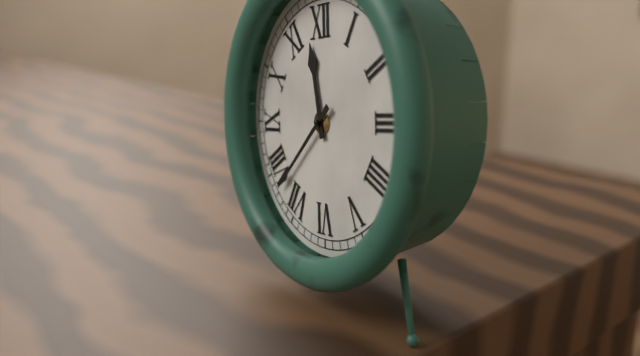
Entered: {"hour": 11, "minute": 38}
